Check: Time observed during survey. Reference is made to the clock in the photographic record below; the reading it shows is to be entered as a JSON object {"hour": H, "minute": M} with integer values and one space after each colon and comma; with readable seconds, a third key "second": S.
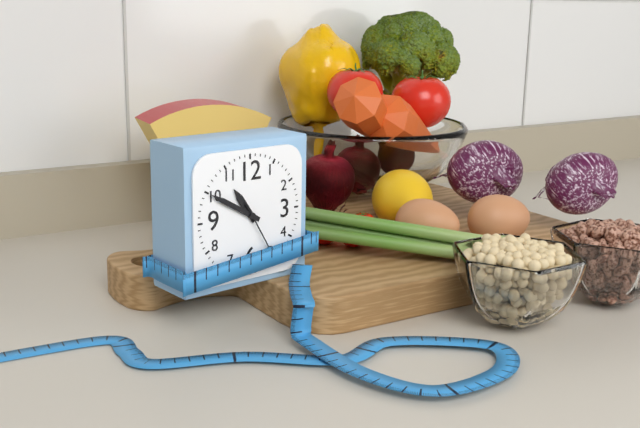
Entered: {"hour": 10, "minute": 50, "second": 25}
